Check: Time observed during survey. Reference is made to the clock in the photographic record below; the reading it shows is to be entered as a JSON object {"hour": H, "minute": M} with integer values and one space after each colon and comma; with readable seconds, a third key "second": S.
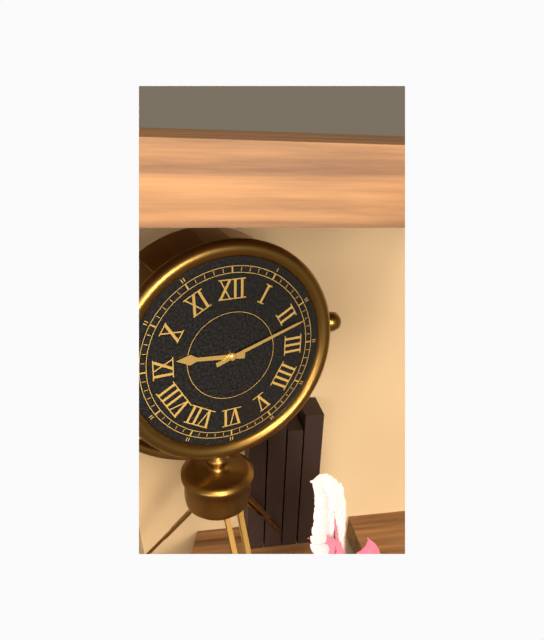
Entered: {"hour": 9, "minute": 12}
